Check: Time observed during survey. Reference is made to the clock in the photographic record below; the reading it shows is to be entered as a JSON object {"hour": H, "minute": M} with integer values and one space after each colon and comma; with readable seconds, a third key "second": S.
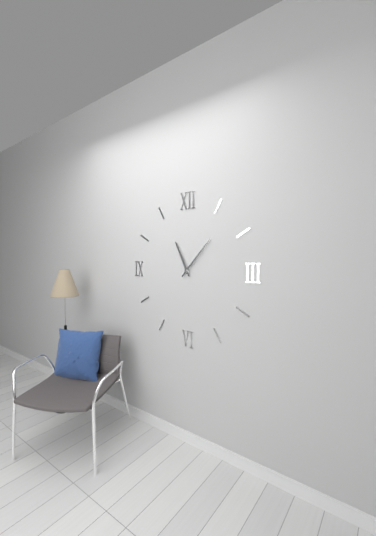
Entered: {"hour": 11, "minute": 7}
